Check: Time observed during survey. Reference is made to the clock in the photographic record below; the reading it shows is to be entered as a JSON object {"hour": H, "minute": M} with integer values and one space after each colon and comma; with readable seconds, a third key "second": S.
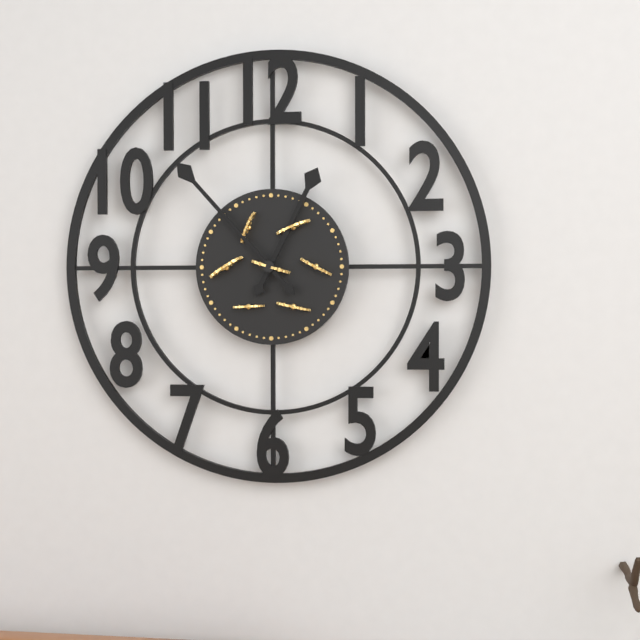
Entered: {"hour": 12, "minute": 53}
